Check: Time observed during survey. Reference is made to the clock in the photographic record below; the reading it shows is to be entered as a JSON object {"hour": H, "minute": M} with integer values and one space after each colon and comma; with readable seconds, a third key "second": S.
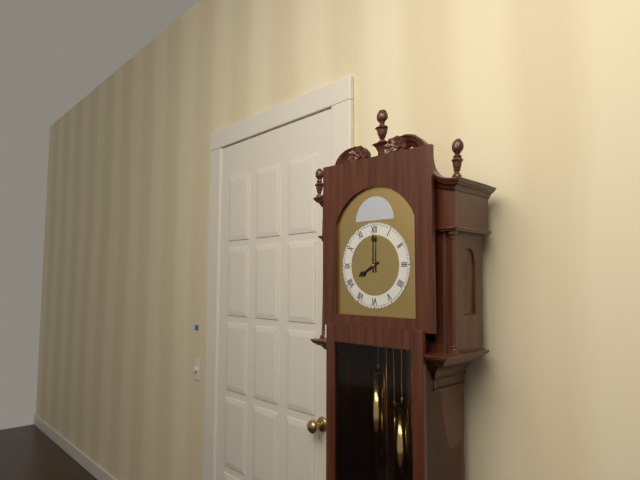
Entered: {"hour": 8, "minute": 0}
